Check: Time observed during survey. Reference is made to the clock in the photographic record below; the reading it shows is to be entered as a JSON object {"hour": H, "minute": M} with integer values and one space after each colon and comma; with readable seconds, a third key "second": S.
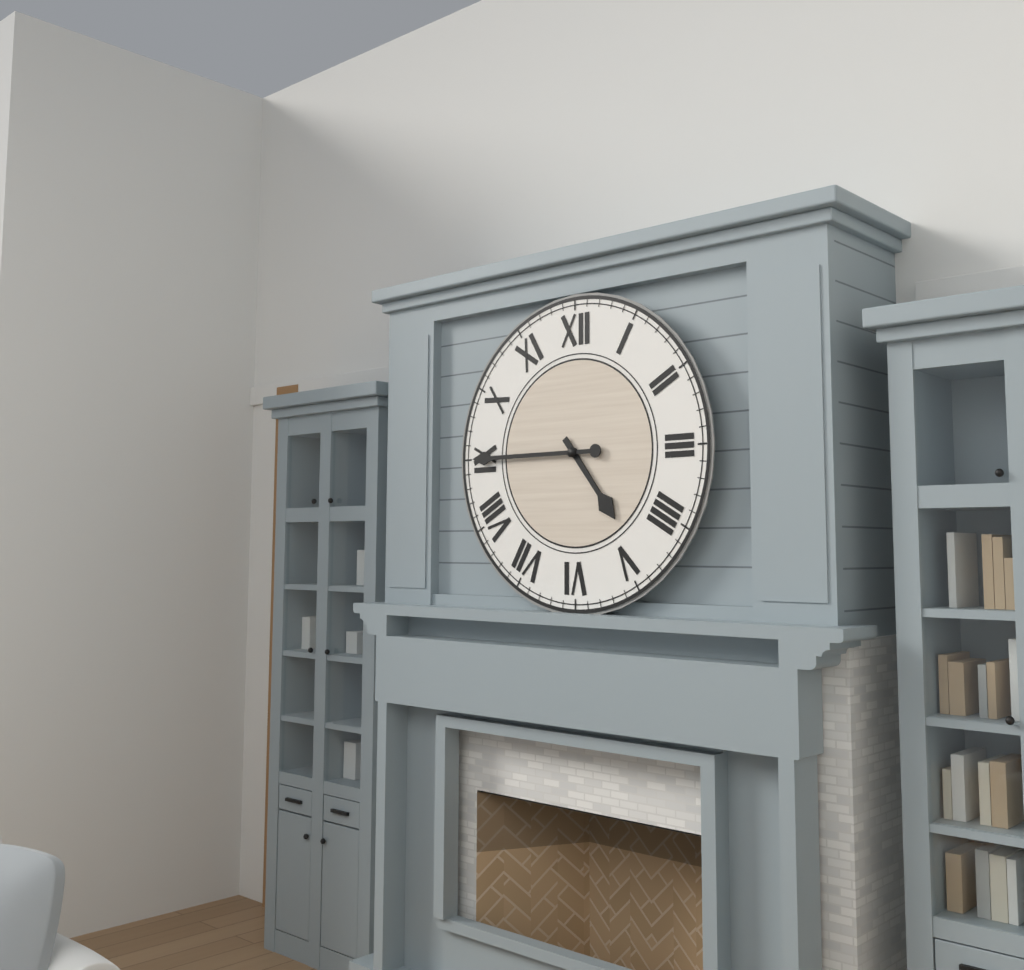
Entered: {"hour": 4, "minute": 45}
